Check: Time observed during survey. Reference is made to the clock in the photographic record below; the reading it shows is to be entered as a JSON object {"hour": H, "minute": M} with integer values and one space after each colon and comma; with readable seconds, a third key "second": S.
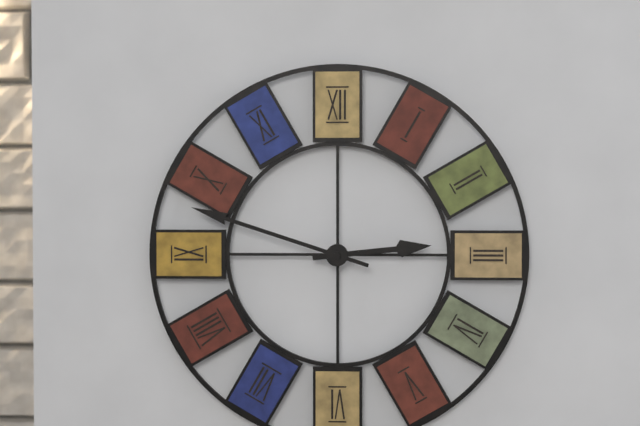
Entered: {"hour": 2, "minute": 48}
